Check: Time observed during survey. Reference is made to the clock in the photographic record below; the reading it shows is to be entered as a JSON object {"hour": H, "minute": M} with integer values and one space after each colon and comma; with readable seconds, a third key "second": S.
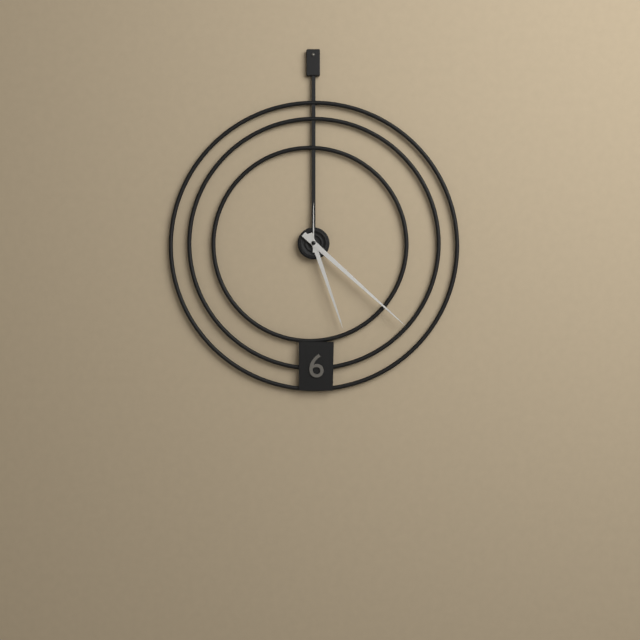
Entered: {"hour": 5, "minute": 22, "second": 0}
